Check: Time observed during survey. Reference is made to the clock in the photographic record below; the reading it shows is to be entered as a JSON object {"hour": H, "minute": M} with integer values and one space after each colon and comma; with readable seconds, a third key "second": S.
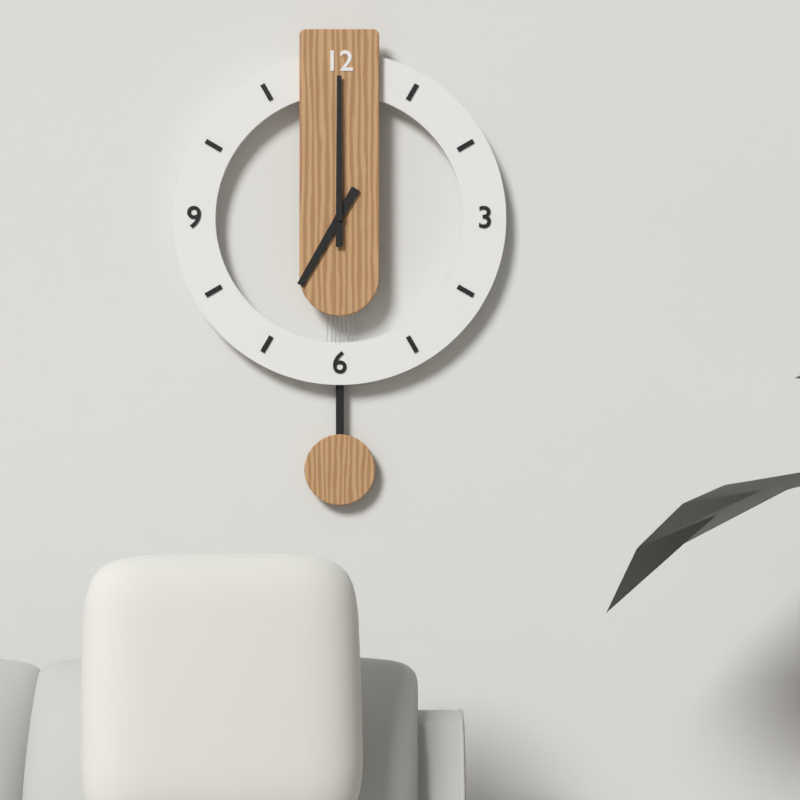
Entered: {"hour": 7, "minute": 0}
